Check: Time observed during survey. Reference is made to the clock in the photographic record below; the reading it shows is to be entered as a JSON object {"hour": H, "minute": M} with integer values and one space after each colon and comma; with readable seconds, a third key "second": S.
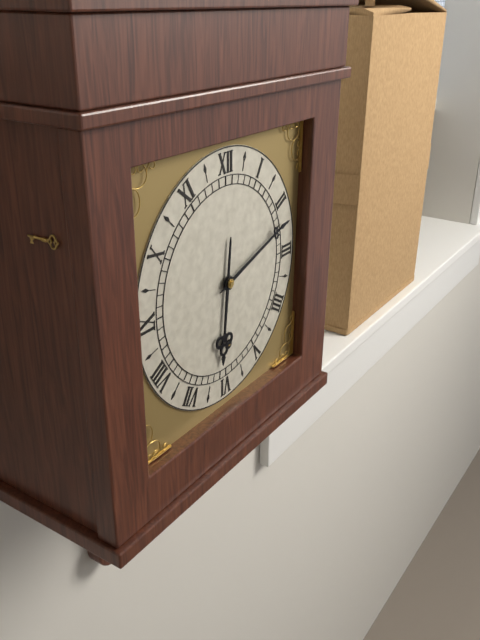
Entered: {"hour": 6, "minute": 12}
